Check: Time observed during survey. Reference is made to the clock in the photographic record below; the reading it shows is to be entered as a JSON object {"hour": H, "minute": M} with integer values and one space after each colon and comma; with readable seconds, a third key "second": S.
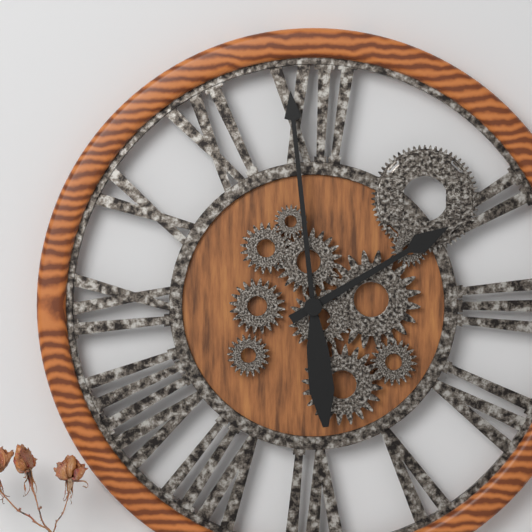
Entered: {"hour": 1, "minute": 59}
